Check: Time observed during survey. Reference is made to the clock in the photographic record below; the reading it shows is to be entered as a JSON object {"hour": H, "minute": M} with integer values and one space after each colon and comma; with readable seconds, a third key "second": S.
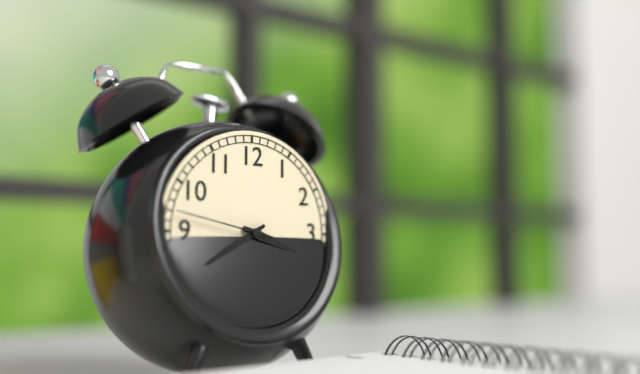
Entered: {"hour": 3, "minute": 40, "second": 47}
